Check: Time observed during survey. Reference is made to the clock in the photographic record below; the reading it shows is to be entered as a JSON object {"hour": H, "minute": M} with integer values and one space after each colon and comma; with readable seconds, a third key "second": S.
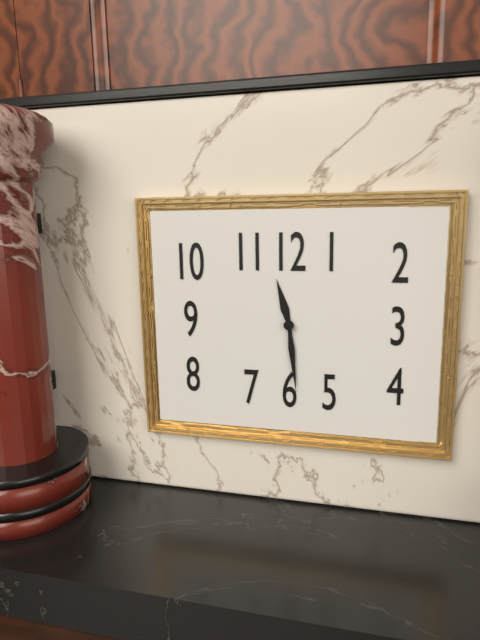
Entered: {"hour": 11, "minute": 29}
